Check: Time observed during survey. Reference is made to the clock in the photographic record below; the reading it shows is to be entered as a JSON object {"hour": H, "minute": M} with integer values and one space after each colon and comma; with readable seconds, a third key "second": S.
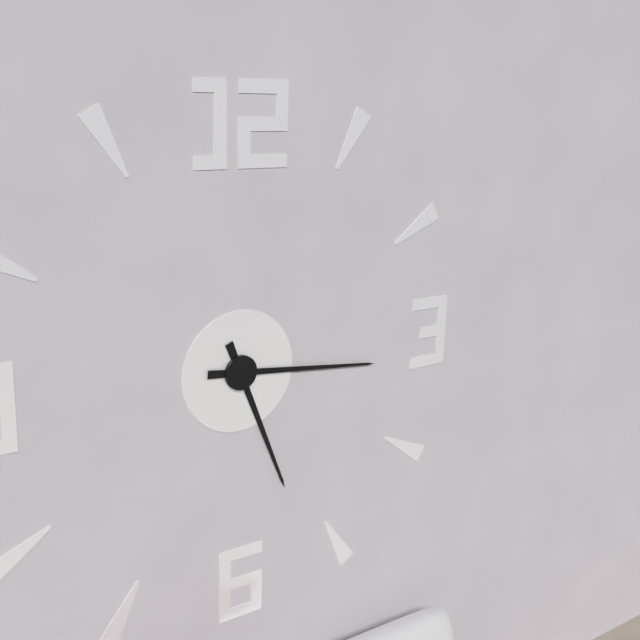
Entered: {"hour": 5, "minute": 16}
